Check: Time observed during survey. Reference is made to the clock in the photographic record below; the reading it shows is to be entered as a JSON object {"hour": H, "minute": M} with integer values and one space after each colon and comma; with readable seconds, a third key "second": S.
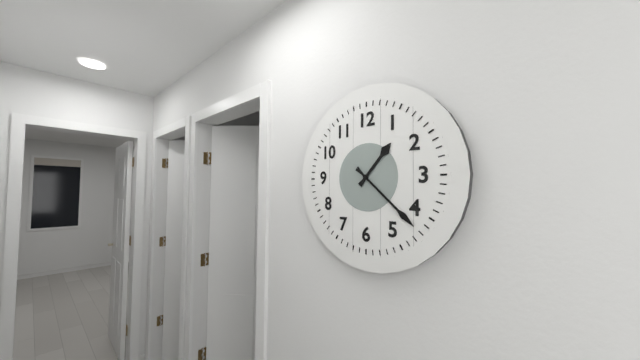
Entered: {"hour": 1, "minute": 22}
